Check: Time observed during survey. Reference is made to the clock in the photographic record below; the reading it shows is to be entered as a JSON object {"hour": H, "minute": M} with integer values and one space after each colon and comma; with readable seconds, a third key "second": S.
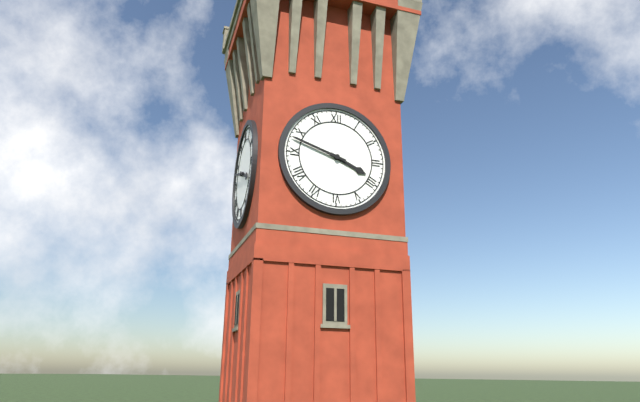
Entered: {"hour": 3, "minute": 48}
